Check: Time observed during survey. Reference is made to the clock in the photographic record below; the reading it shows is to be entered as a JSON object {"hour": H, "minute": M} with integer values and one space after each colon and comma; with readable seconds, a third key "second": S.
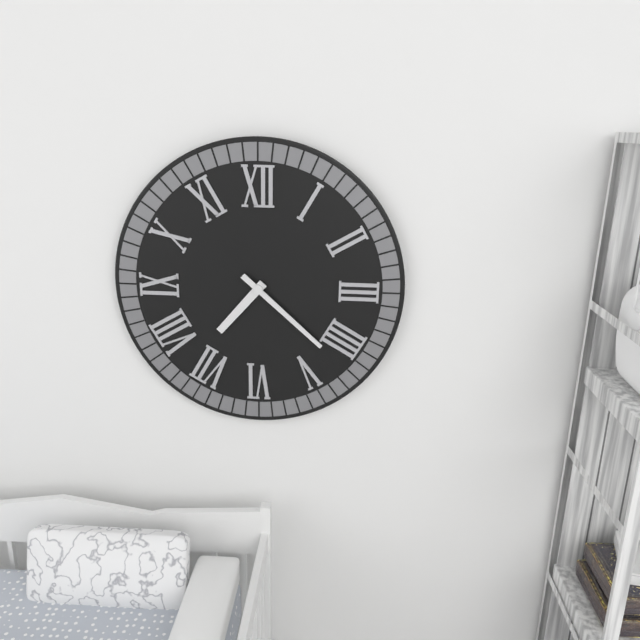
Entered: {"hour": 7, "minute": 22}
